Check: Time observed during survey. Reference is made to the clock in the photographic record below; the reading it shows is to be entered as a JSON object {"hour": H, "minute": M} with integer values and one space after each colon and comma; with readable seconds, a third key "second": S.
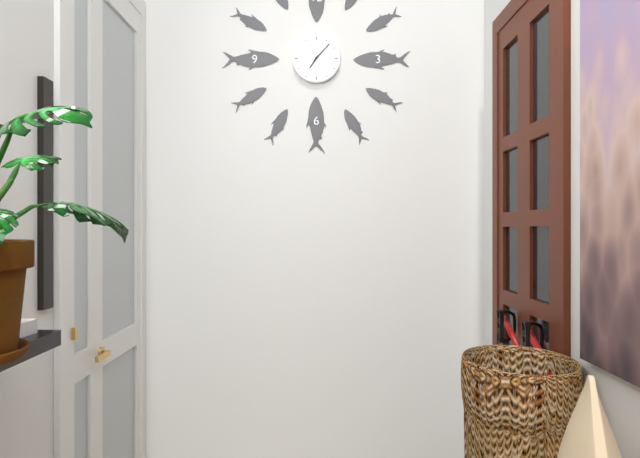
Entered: {"hour": 7, "minute": 7}
